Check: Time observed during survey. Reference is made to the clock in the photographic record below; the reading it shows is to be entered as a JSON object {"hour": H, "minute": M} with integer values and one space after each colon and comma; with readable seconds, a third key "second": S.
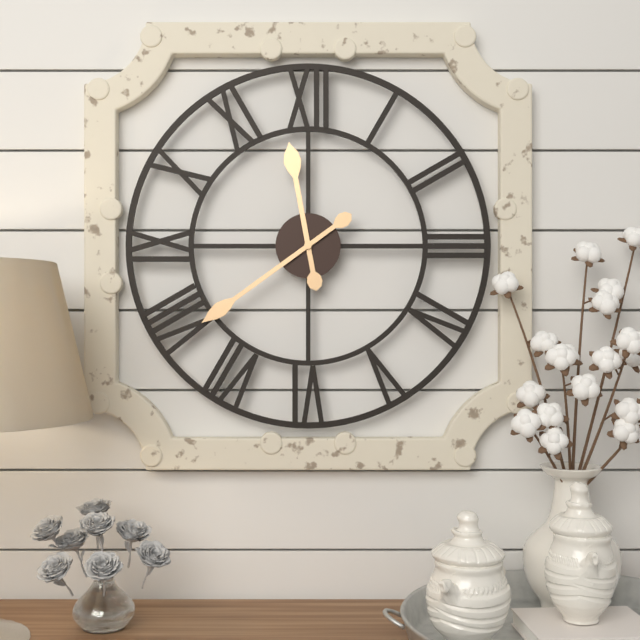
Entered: {"hour": 11, "minute": 39}
